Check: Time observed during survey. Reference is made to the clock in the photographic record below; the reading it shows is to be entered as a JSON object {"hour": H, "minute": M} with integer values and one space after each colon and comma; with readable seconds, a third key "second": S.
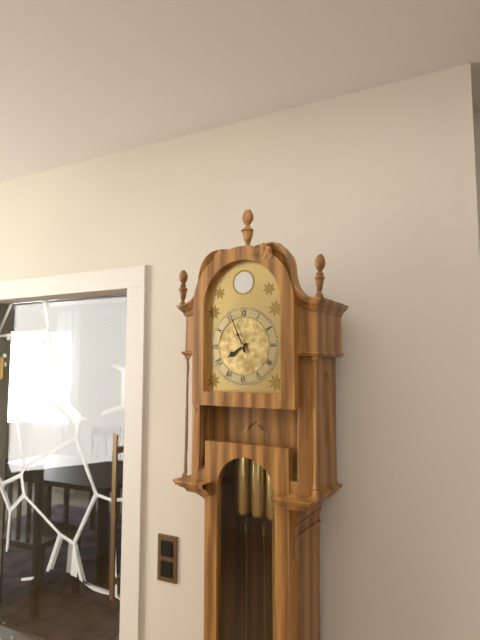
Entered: {"hour": 7, "minute": 56}
